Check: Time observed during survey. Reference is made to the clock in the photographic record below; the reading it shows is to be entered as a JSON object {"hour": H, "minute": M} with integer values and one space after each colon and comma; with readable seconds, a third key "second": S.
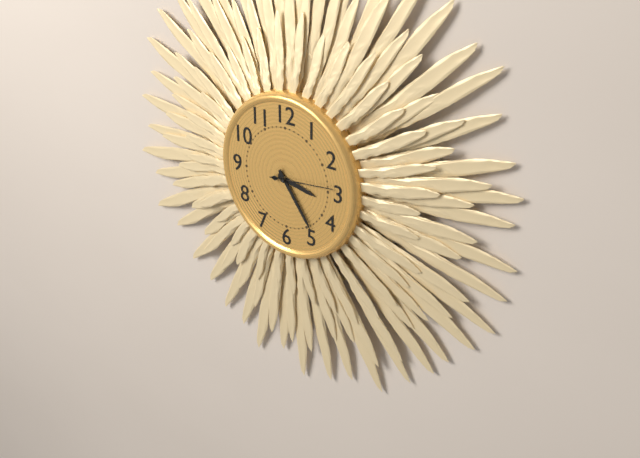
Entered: {"hour": 3, "minute": 24}
